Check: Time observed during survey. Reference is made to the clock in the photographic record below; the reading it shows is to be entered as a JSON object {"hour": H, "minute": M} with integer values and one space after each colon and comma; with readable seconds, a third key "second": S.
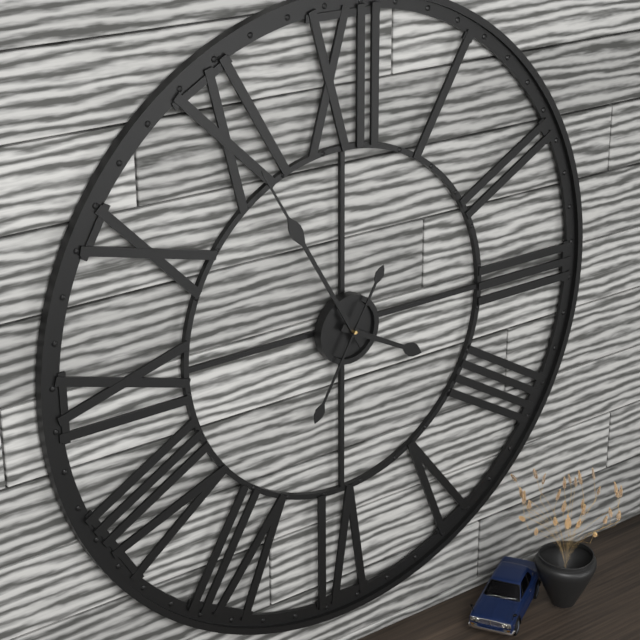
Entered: {"hour": 3, "minute": 55, "second": 35}
